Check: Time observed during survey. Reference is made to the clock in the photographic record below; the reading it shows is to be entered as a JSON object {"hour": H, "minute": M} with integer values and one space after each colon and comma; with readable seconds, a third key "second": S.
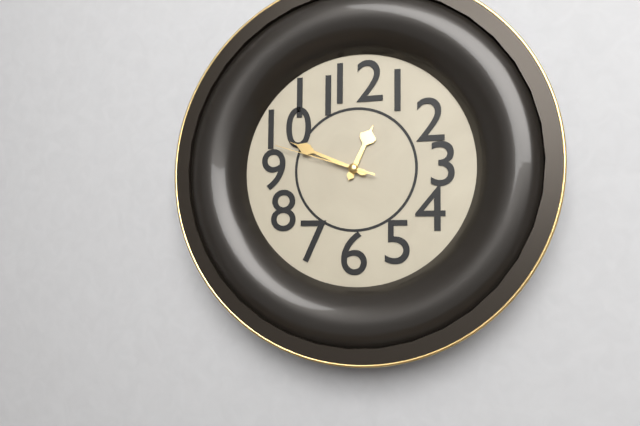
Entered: {"hour": 12, "minute": 49, "second": 48}
